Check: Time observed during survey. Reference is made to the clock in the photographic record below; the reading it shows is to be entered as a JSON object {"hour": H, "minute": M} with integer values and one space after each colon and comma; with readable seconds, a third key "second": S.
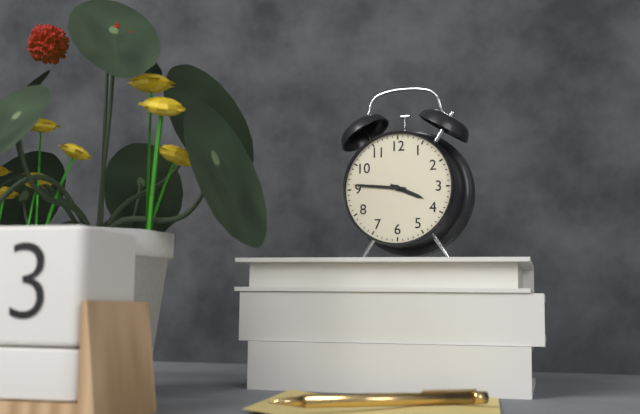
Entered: {"hour": 3, "minute": 46}
